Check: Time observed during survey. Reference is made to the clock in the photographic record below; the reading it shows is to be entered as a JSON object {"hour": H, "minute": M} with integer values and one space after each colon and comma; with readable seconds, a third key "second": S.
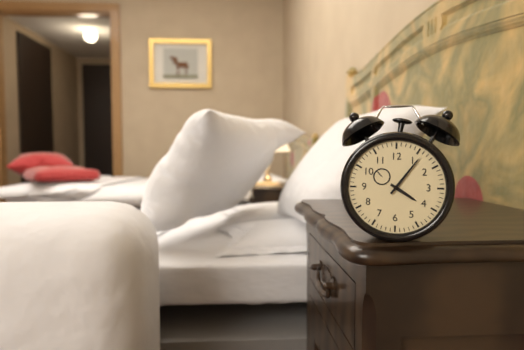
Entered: {"hour": 4, "minute": 6}
